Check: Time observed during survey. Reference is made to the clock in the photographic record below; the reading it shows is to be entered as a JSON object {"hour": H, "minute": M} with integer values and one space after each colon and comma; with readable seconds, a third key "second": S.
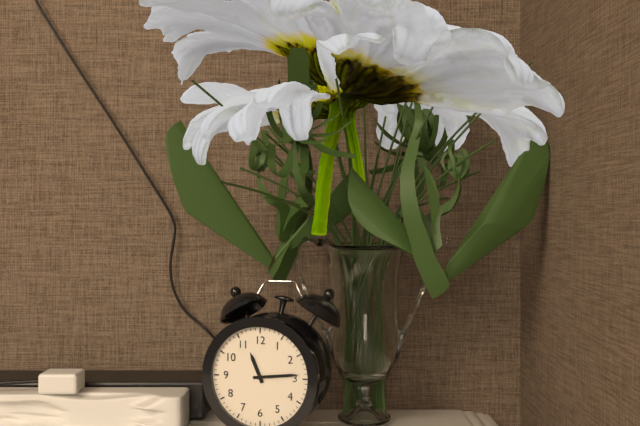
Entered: {"hour": 11, "minute": 14}
